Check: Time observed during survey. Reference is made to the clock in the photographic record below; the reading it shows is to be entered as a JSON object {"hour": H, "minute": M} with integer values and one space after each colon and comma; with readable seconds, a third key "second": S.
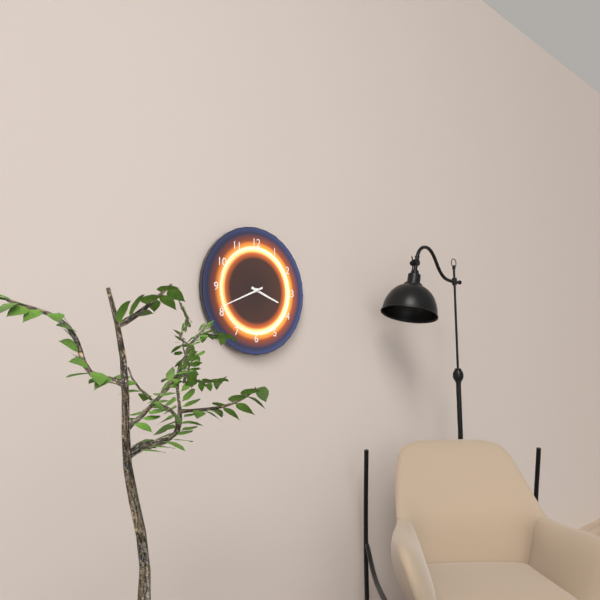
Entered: {"hour": 3, "minute": 41}
